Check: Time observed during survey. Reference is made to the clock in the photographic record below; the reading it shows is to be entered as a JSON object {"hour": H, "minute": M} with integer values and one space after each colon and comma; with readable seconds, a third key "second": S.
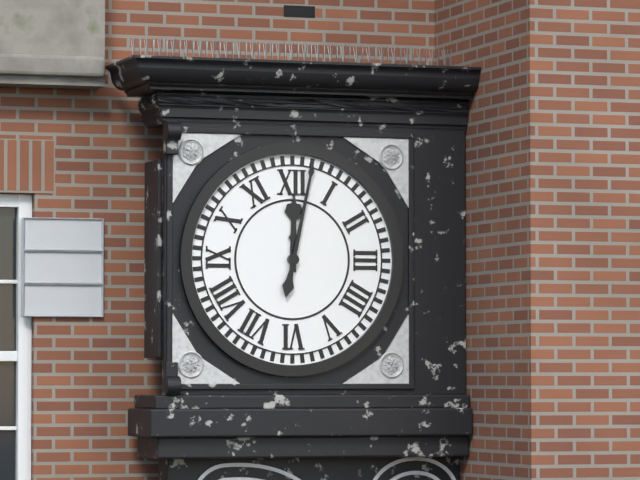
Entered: {"hour": 12, "minute": 2}
